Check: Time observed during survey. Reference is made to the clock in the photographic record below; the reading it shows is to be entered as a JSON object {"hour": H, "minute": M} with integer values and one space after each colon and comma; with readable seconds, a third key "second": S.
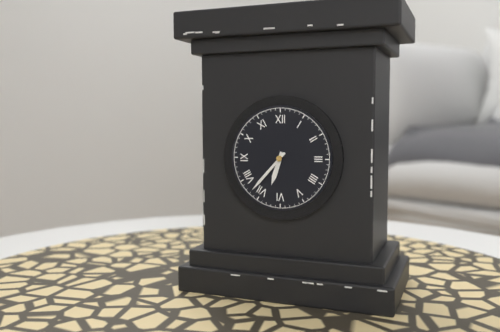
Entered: {"hour": 6, "minute": 37}
